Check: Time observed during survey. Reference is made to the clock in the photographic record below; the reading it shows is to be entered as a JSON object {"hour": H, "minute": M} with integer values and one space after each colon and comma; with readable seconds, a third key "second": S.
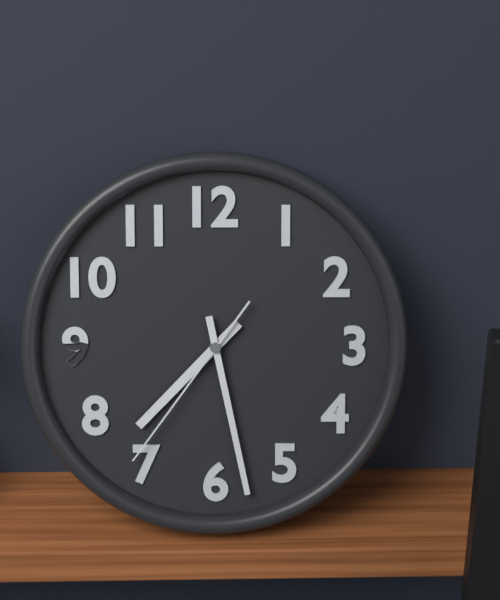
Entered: {"hour": 7, "minute": 28, "second": 36}
